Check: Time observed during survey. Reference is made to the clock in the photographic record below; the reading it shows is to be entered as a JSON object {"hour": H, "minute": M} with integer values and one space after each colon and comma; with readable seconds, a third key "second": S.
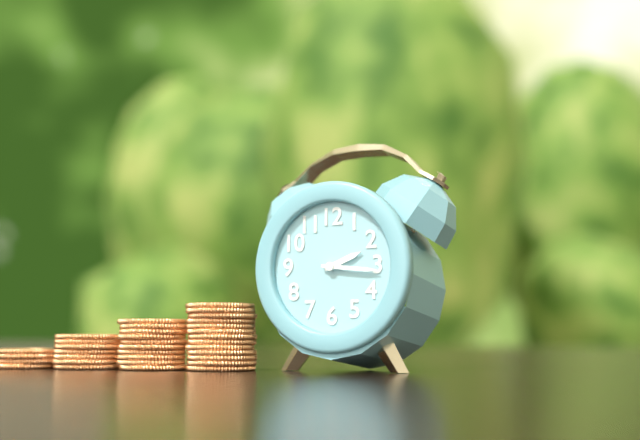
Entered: {"hour": 2, "minute": 16}
